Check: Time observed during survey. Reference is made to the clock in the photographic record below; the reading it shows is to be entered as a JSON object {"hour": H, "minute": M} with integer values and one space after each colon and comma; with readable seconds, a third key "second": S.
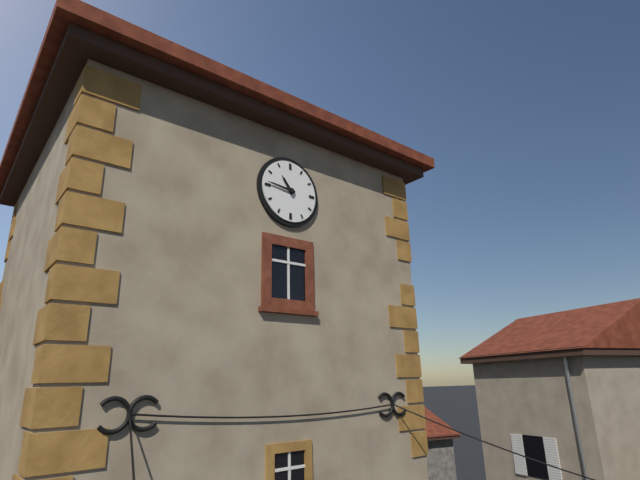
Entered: {"hour": 10, "minute": 46}
